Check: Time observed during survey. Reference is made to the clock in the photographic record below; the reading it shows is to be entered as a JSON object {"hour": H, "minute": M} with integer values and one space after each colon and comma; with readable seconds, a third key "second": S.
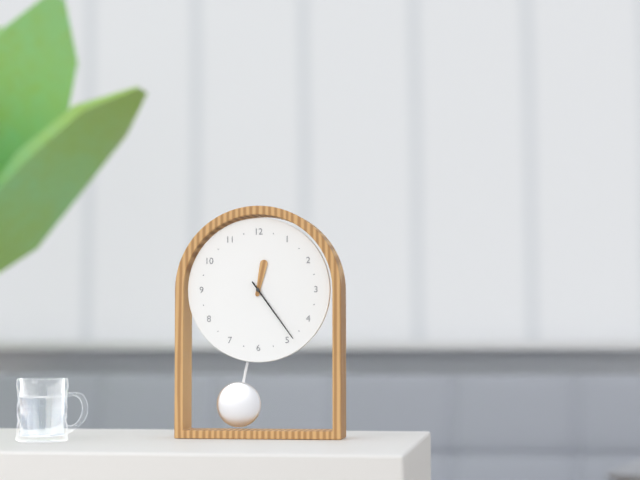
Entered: {"hour": 12, "minute": 24}
